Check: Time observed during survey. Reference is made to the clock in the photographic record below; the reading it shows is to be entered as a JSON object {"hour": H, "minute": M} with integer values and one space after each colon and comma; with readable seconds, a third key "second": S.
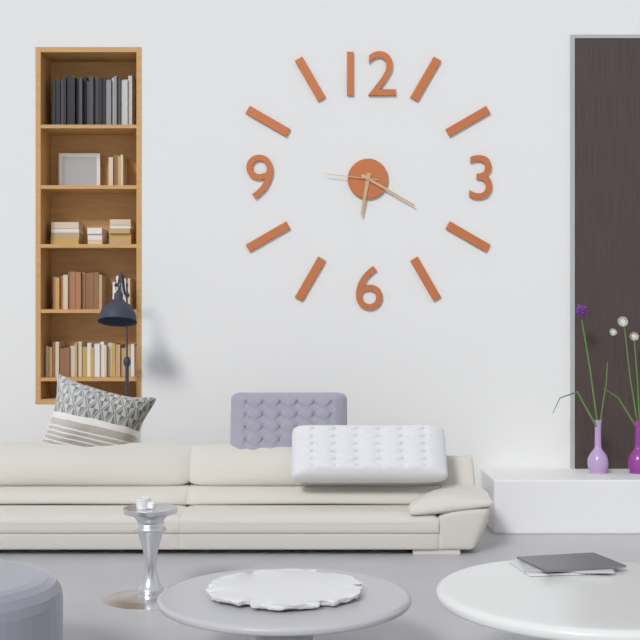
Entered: {"hour": 6, "minute": 20, "second": 46}
